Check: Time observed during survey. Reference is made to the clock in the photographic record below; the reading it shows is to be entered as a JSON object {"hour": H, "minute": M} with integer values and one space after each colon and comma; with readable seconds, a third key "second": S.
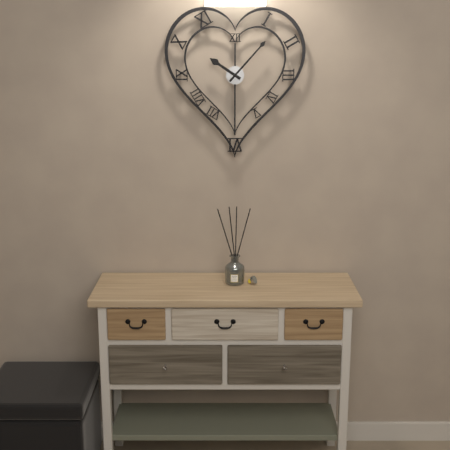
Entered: {"hour": 10, "minute": 7}
